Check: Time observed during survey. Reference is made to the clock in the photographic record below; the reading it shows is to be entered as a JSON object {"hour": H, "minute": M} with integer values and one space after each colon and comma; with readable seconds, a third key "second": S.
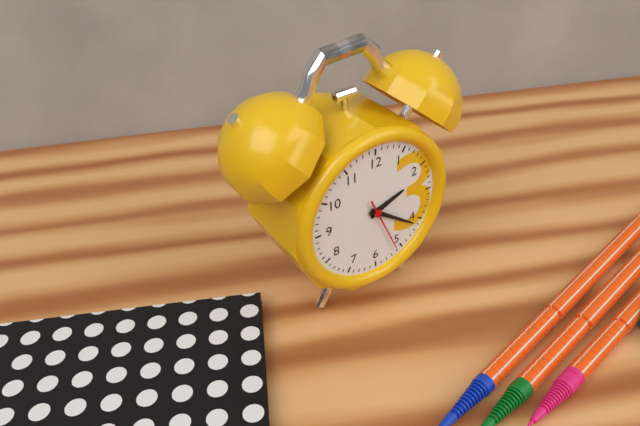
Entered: {"hour": 2, "minute": 21, "second": 26}
